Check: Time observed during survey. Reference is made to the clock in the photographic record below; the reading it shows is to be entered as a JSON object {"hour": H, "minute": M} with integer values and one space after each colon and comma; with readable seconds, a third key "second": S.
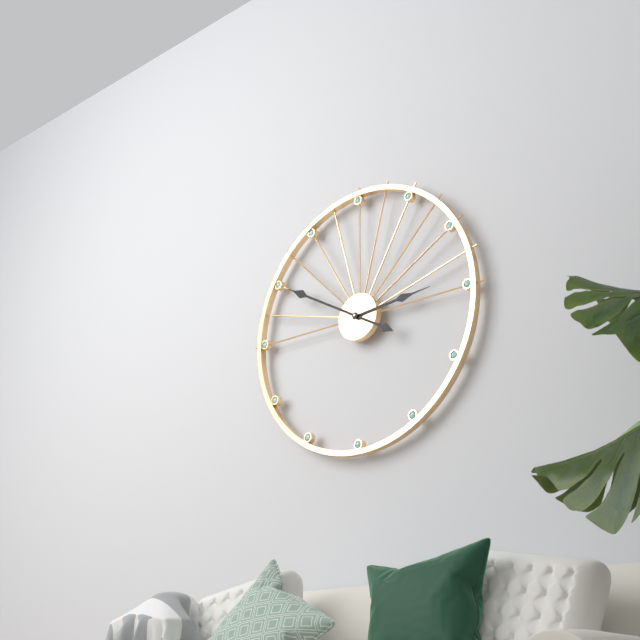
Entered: {"hour": 2, "minute": 50}
